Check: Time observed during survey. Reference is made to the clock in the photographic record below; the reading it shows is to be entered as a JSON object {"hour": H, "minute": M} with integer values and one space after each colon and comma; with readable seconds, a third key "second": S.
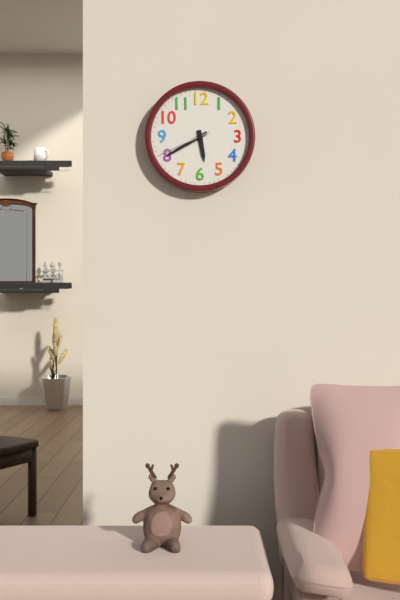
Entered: {"hour": 5, "minute": 40, "second": 41}
